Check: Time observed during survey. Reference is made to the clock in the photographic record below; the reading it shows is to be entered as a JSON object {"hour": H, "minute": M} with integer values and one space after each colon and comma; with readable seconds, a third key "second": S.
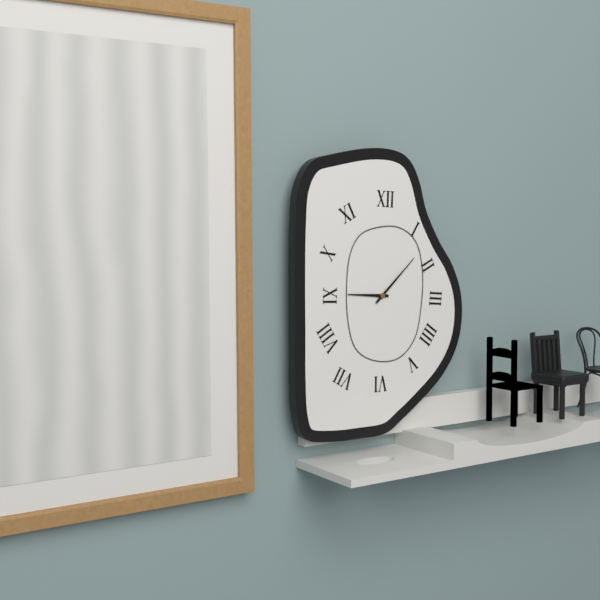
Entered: {"hour": 9, "minute": 8}
